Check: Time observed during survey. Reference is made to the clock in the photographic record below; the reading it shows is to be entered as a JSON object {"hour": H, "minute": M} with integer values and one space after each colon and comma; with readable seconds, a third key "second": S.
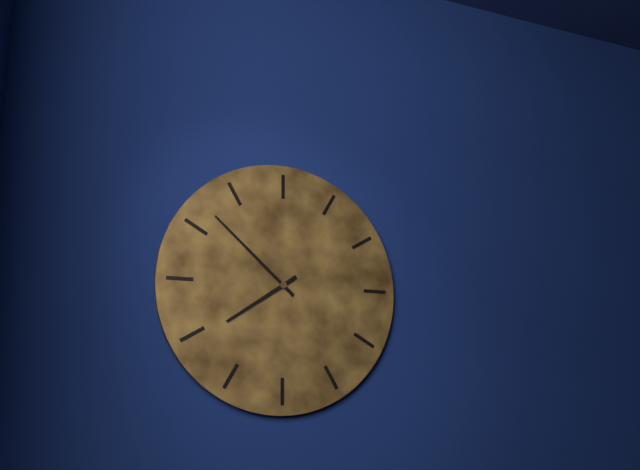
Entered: {"hour": 7, "minute": 52}
